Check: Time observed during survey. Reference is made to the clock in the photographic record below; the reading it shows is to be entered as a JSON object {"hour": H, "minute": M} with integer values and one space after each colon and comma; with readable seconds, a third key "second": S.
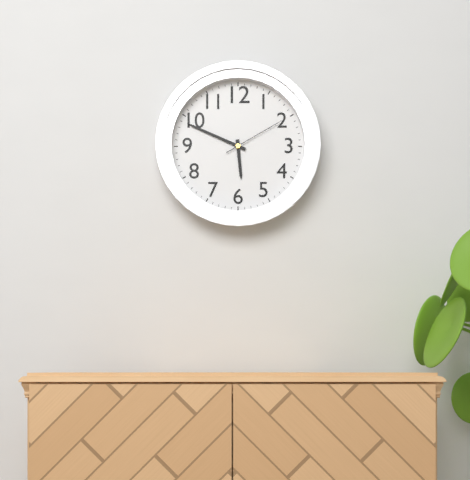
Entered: {"hour": 5, "minute": 49, "second": 10}
